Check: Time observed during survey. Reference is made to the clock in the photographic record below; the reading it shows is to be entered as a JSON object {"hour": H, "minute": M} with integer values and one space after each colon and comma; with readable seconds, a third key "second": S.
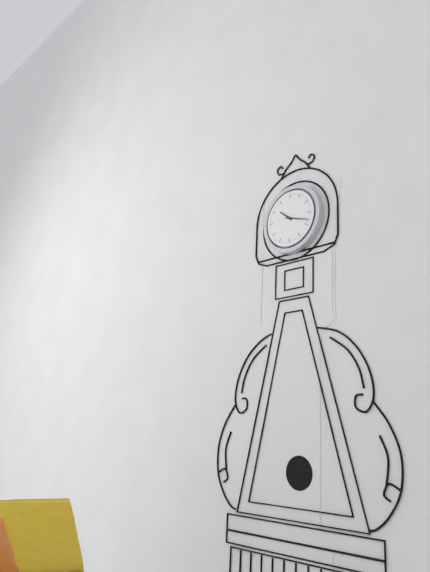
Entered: {"hour": 10, "minute": 18}
